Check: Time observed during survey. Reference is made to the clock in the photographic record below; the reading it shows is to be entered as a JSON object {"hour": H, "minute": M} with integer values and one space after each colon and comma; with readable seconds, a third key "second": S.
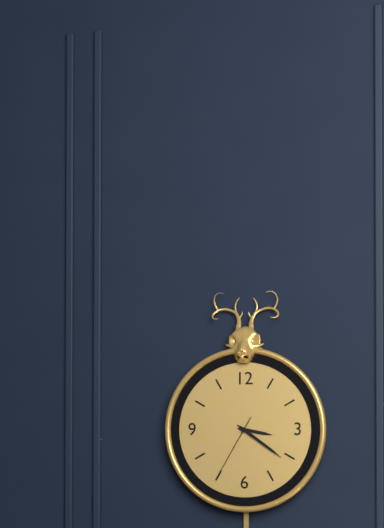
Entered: {"hour": 3, "minute": 21, "second": 35}
